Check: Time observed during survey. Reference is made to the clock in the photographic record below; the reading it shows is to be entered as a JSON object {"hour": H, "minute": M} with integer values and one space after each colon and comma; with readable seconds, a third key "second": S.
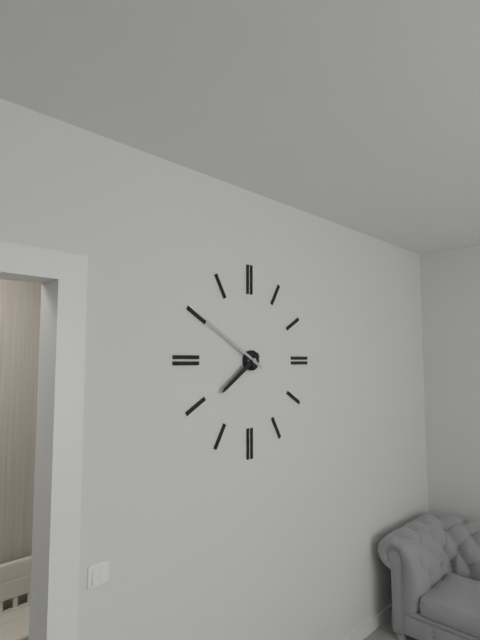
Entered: {"hour": 7, "minute": 50}
